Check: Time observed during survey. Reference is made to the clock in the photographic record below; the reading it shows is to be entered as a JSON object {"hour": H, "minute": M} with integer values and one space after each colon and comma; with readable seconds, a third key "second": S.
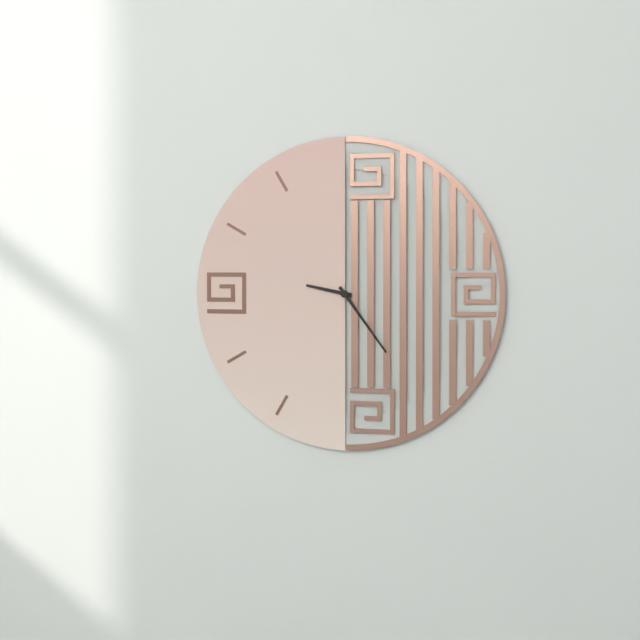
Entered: {"hour": 9, "minute": 24}
